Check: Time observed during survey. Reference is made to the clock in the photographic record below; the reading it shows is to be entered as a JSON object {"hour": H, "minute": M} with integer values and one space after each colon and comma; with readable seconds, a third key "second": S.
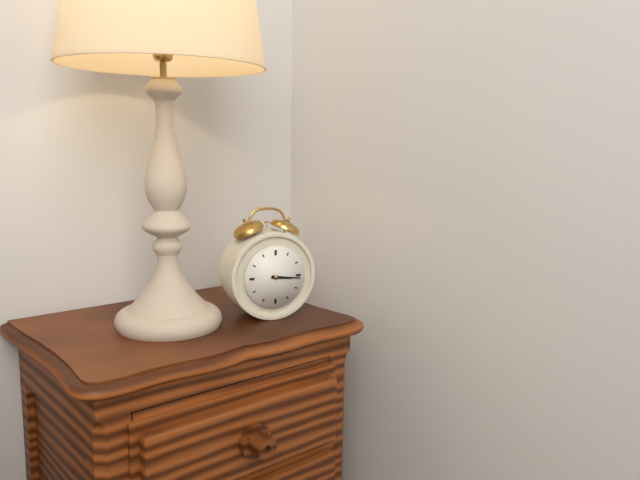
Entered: {"hour": 3, "minute": 16}
